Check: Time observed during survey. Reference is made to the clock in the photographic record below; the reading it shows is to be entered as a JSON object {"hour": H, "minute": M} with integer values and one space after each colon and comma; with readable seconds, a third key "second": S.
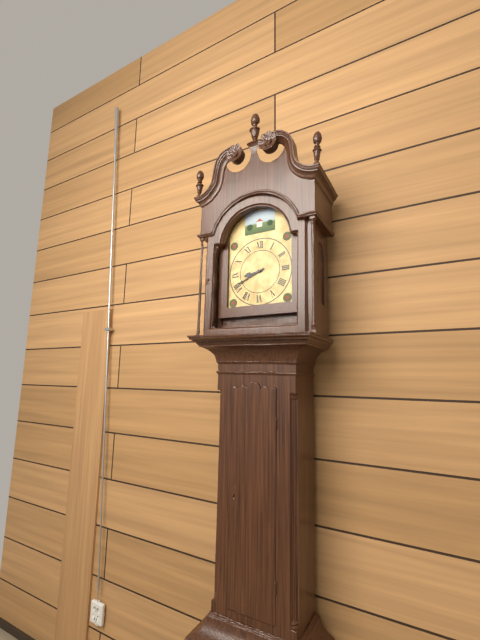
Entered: {"hour": 8, "minute": 41}
